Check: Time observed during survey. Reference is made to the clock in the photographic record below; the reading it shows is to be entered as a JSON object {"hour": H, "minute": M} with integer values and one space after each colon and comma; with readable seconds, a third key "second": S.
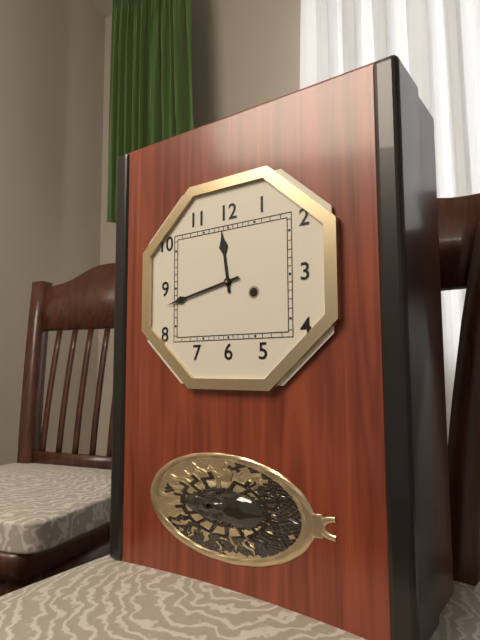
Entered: {"hour": 11, "minute": 43}
